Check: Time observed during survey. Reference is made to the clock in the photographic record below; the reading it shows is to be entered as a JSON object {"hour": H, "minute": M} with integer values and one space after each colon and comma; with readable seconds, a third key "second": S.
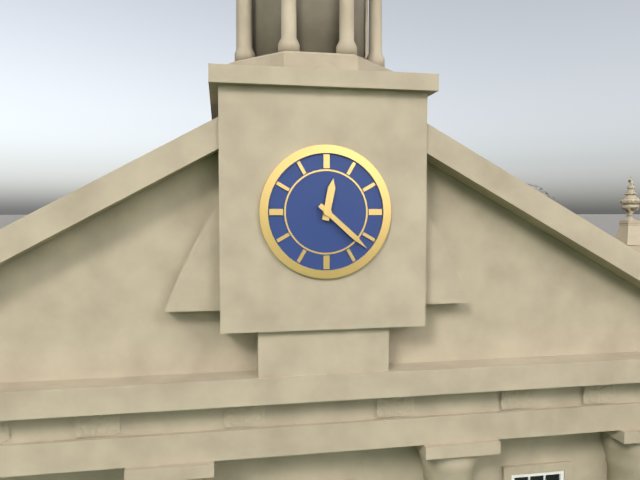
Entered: {"hour": 12, "minute": 22}
